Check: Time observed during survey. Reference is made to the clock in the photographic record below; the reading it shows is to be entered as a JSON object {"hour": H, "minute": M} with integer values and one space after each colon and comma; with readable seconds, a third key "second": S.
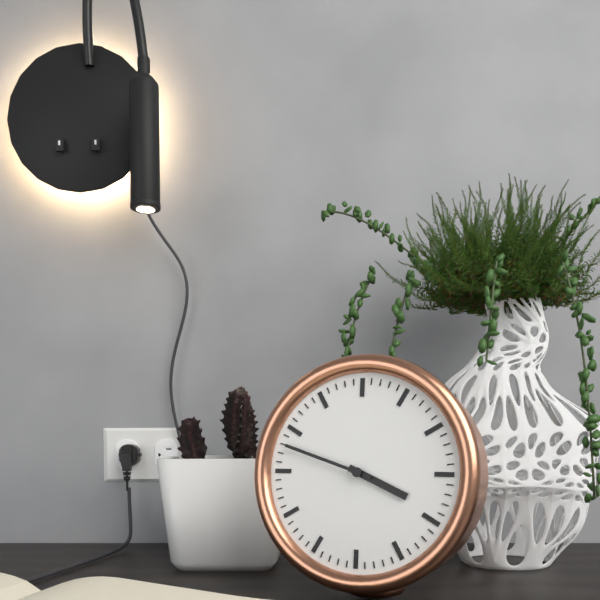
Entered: {"hour": 3, "minute": 48}
